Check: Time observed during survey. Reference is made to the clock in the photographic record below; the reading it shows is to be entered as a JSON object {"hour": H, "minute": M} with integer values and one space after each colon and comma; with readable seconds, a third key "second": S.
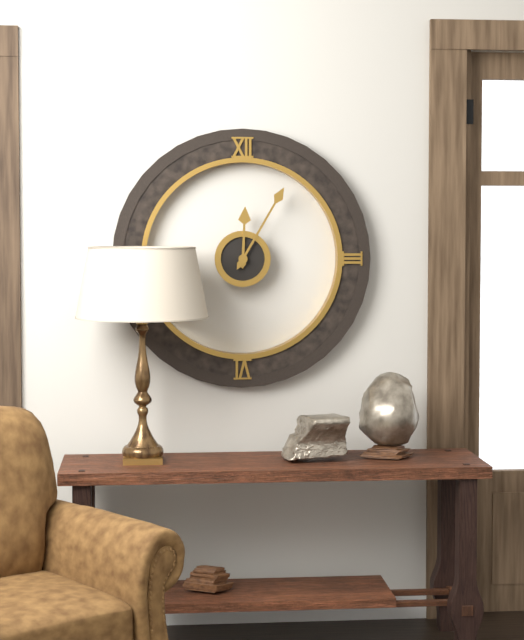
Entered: {"hour": 12, "minute": 5}
